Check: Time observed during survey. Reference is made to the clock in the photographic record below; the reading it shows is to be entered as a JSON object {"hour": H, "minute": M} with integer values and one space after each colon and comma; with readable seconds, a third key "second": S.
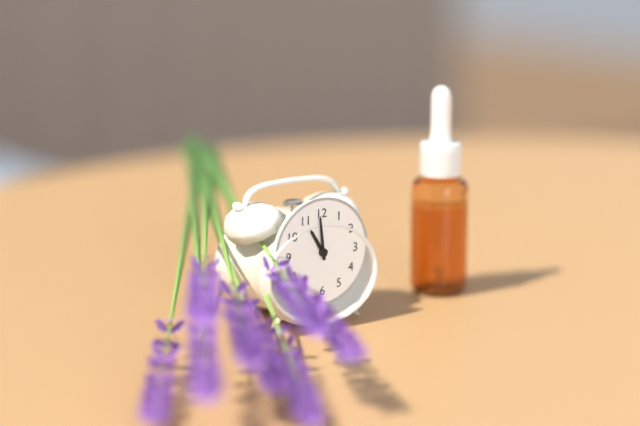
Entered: {"hour": 10, "minute": 59}
